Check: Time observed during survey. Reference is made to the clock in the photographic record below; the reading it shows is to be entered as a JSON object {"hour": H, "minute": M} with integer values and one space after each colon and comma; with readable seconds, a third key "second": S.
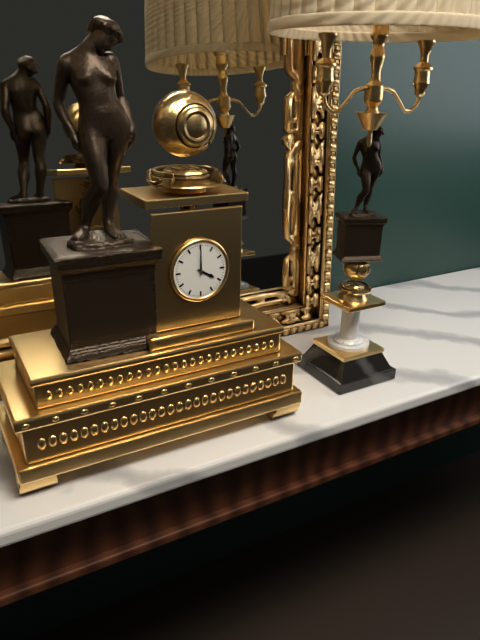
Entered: {"hour": 4, "minute": 0}
